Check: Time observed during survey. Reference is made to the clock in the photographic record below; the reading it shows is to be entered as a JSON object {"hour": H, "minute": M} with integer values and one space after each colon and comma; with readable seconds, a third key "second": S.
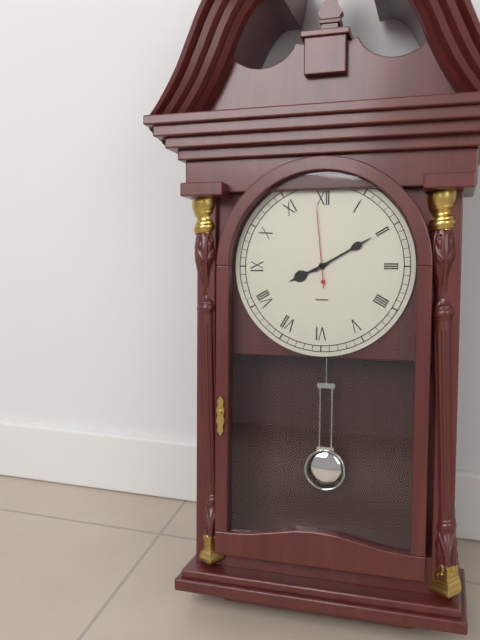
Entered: {"hour": 8, "minute": 10, "second": 59}
